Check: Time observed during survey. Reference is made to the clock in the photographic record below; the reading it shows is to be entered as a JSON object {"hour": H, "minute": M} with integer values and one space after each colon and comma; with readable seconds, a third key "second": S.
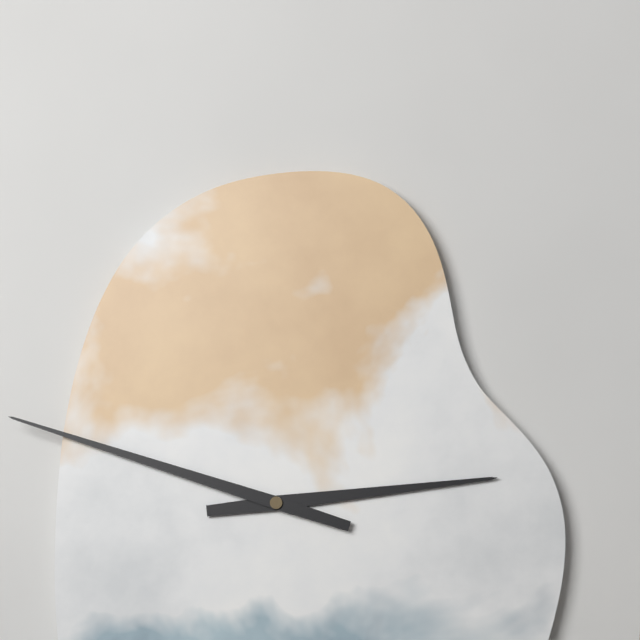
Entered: {"hour": 2, "minute": 48}
